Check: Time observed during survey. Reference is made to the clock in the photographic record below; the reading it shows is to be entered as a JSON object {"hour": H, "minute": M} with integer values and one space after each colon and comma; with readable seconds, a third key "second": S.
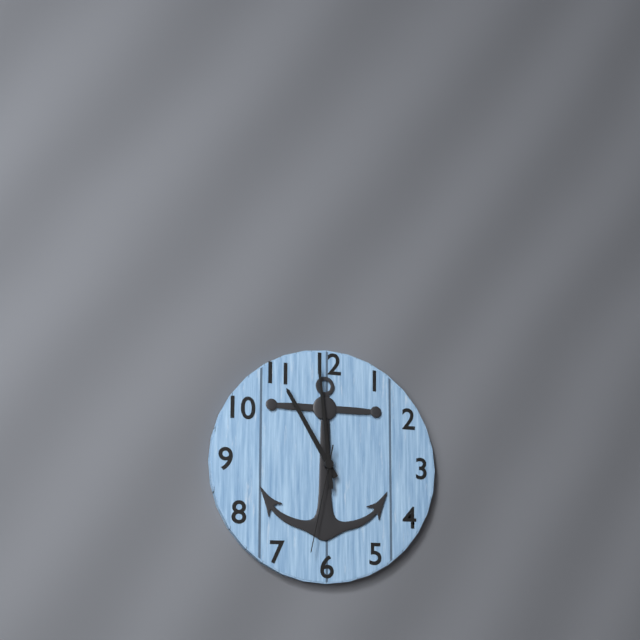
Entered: {"hour": 10, "minute": 59, "second": 32}
